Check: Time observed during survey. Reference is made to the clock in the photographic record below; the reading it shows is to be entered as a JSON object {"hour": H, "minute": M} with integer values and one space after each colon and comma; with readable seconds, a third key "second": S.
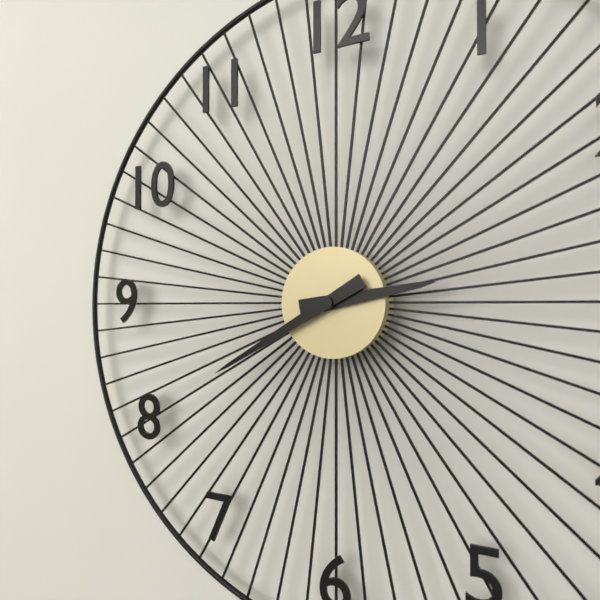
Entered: {"hour": 2, "minute": 40}
